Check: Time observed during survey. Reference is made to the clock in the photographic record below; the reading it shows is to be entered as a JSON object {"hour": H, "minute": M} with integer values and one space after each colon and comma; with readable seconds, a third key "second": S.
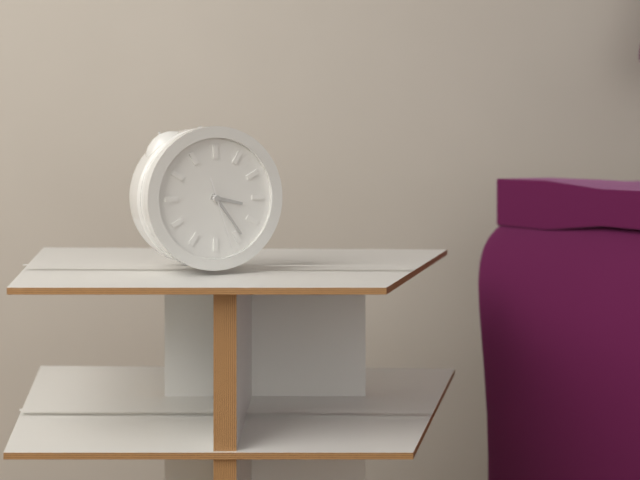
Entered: {"hour": 3, "minute": 24, "second": 27}
